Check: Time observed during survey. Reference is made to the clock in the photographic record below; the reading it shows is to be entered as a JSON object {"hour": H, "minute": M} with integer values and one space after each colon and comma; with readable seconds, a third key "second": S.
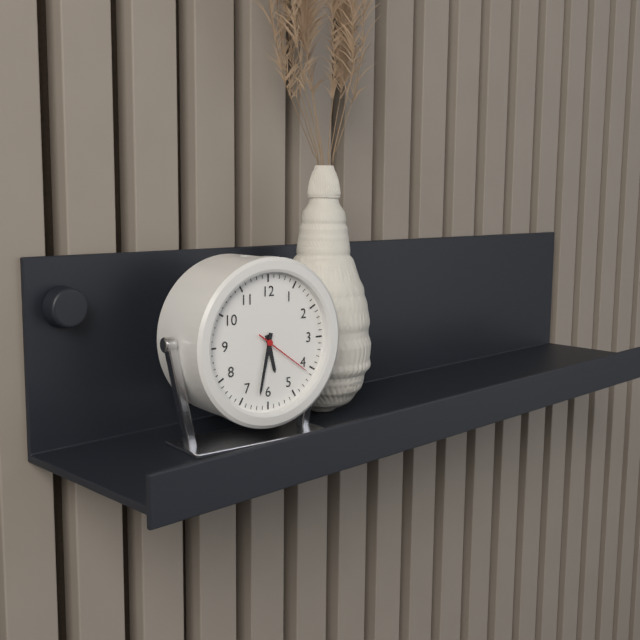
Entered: {"hour": 5, "minute": 32, "second": 21}
